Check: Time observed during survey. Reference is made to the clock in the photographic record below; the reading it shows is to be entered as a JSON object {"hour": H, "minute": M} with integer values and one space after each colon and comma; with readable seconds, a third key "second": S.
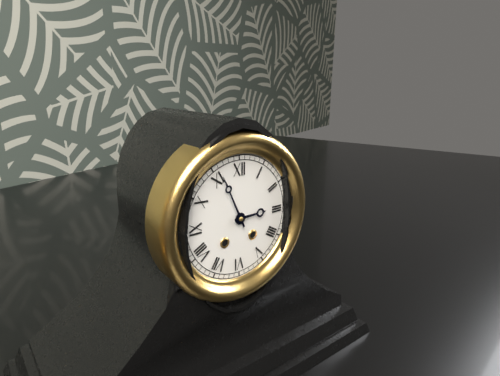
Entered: {"hour": 2, "minute": 56}
